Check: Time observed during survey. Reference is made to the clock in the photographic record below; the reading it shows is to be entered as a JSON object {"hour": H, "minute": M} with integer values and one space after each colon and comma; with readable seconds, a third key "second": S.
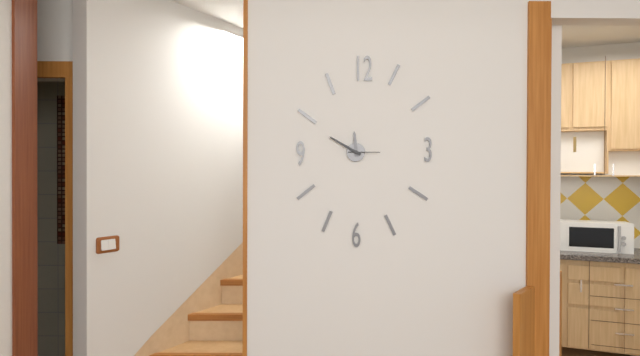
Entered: {"hour": 11, "minute": 50}
